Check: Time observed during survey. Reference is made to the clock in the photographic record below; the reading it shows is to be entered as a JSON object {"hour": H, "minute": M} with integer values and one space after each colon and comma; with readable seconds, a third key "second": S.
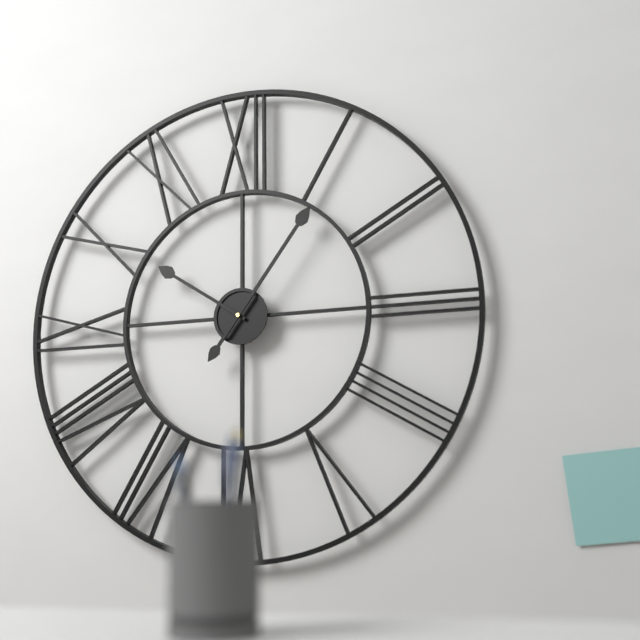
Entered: {"hour": 10, "minute": 6}
